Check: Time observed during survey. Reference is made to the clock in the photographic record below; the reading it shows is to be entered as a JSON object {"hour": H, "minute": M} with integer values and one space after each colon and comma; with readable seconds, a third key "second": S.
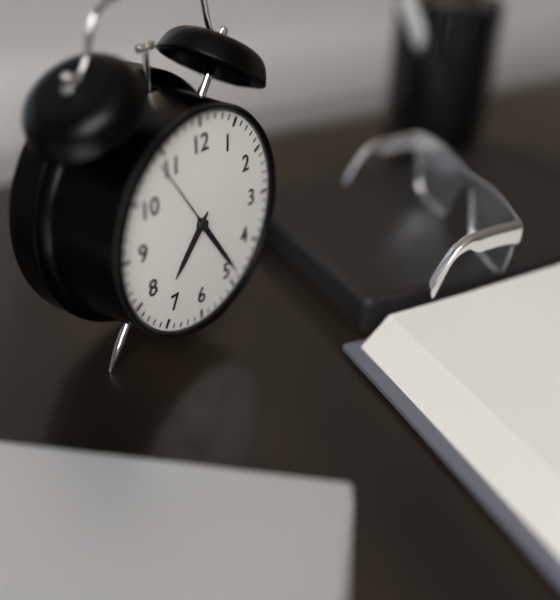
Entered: {"hour": 7, "minute": 24, "second": 54}
